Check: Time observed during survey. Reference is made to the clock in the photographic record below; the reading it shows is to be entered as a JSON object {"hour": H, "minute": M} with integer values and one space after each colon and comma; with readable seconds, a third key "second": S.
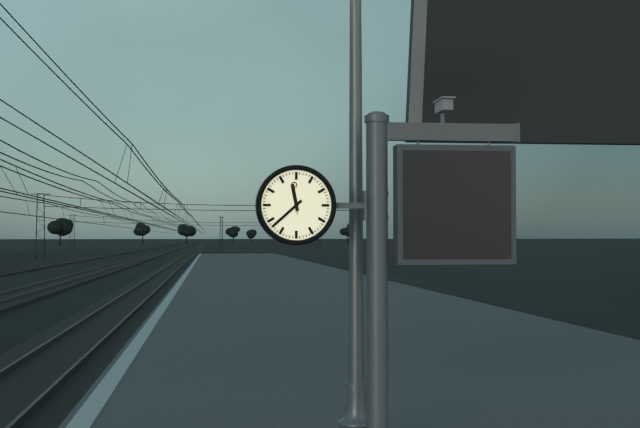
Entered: {"hour": 11, "minute": 38}
